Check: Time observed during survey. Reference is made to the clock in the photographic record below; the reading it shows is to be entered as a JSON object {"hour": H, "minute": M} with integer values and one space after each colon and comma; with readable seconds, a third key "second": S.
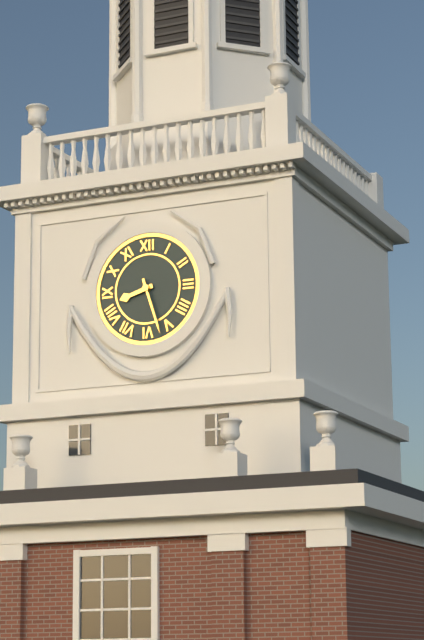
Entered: {"hour": 8, "minute": 27}
